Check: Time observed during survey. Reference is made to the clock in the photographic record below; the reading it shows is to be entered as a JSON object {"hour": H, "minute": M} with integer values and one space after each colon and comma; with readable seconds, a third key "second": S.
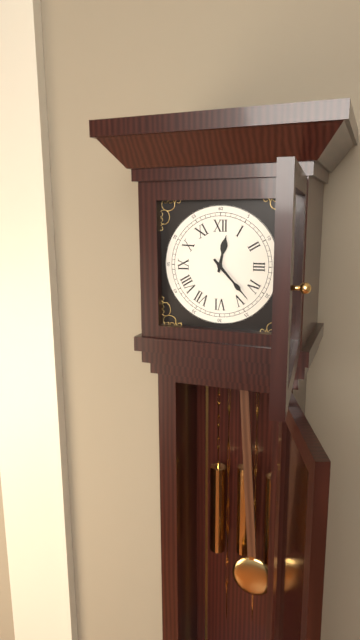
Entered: {"hour": 12, "minute": 23}
